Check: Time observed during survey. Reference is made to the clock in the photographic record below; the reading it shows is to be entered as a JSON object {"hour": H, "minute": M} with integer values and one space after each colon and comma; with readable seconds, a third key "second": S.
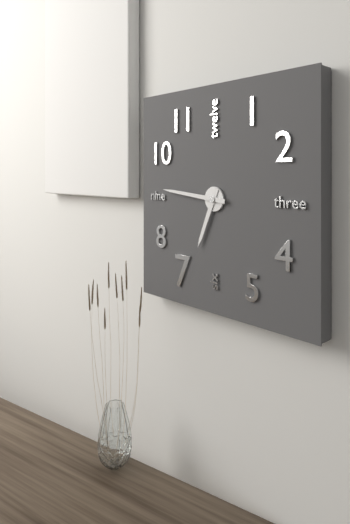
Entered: {"hour": 6, "minute": 46}
